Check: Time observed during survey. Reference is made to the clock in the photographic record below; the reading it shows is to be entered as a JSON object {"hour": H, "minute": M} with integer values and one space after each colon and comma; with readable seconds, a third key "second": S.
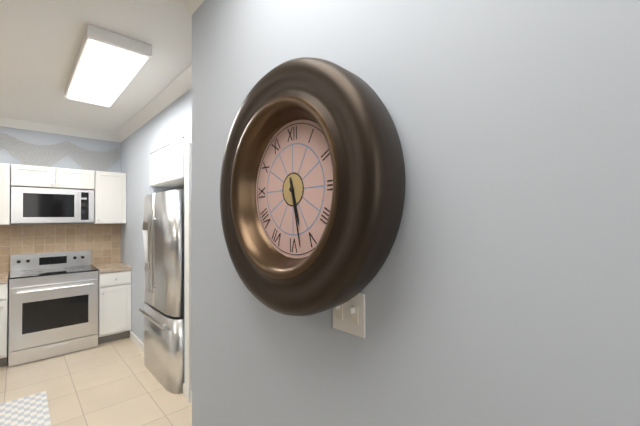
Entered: {"hour": 5, "minute": 28}
